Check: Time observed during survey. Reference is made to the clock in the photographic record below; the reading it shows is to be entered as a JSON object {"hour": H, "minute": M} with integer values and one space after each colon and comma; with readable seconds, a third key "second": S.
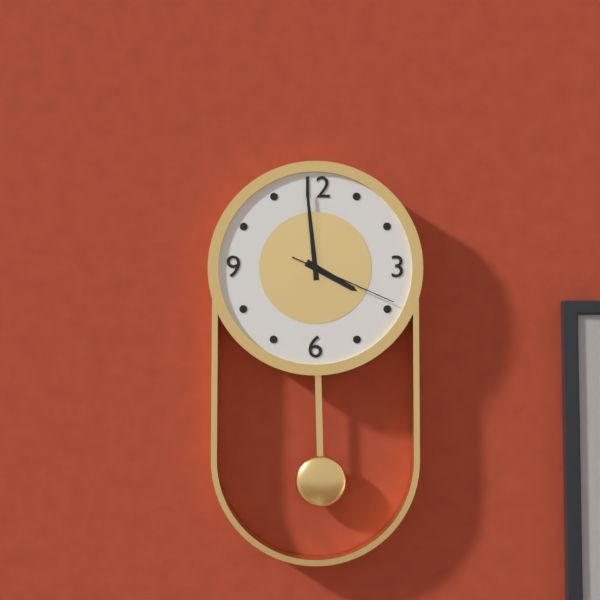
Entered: {"hour": 3, "minute": 59, "second": 19}
